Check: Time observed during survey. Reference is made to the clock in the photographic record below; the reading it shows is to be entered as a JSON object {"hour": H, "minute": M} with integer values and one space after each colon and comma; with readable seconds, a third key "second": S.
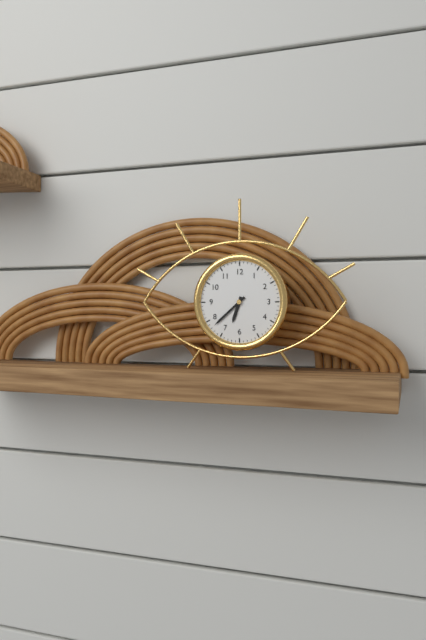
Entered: {"hour": 6, "minute": 38}
